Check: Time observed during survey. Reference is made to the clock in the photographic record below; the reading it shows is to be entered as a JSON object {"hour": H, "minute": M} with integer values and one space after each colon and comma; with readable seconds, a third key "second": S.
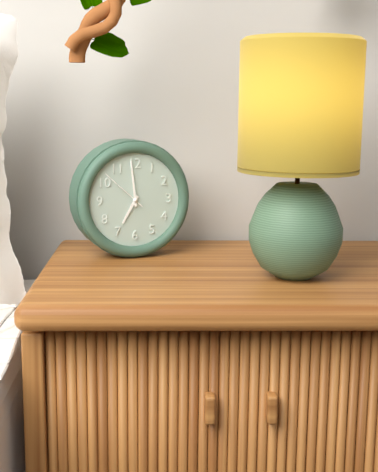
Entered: {"hour": 6, "minute": 59, "second": 52}
